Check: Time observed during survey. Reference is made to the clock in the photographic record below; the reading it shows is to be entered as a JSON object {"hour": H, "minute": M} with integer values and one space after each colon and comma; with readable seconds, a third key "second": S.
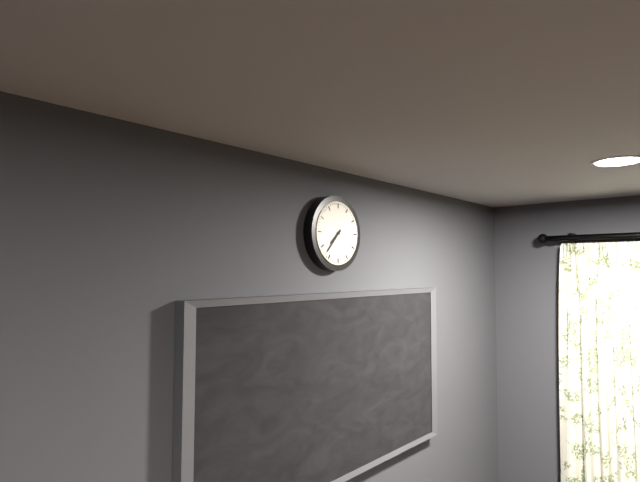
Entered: {"hour": 7, "minute": 37}
